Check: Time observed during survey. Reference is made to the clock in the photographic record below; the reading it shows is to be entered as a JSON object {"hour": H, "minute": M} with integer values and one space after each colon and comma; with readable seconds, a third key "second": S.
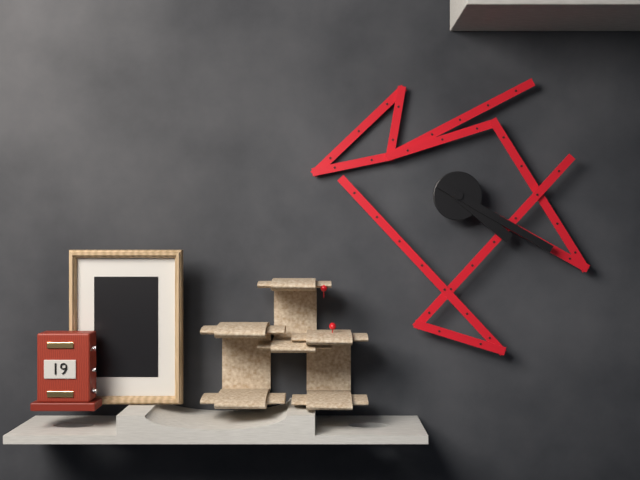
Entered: {"hour": 4, "minute": 20}
